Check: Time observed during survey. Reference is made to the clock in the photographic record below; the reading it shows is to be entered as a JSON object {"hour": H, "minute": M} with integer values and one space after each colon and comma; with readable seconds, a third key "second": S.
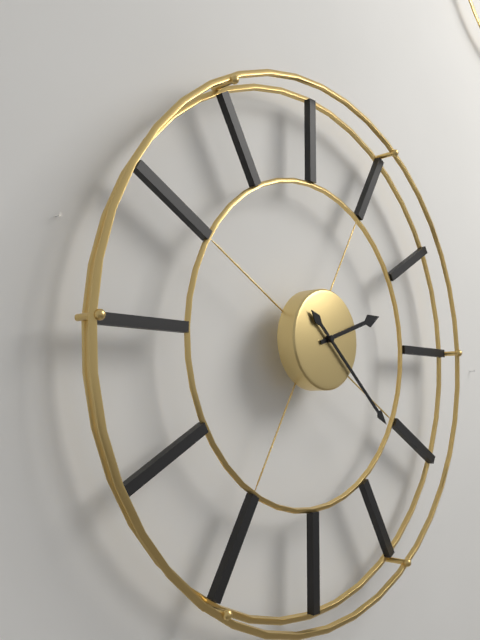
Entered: {"hour": 2, "minute": 22}
